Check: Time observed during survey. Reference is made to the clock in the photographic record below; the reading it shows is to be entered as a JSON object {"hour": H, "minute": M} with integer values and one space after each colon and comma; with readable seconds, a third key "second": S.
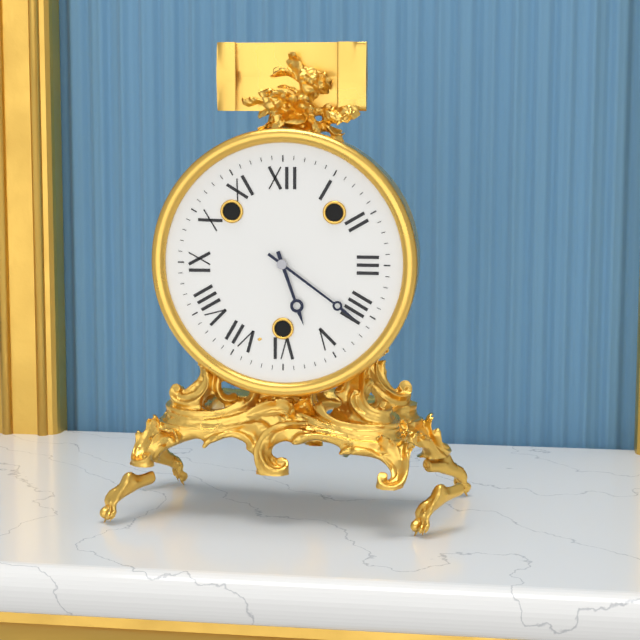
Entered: {"hour": 5, "minute": 21}
